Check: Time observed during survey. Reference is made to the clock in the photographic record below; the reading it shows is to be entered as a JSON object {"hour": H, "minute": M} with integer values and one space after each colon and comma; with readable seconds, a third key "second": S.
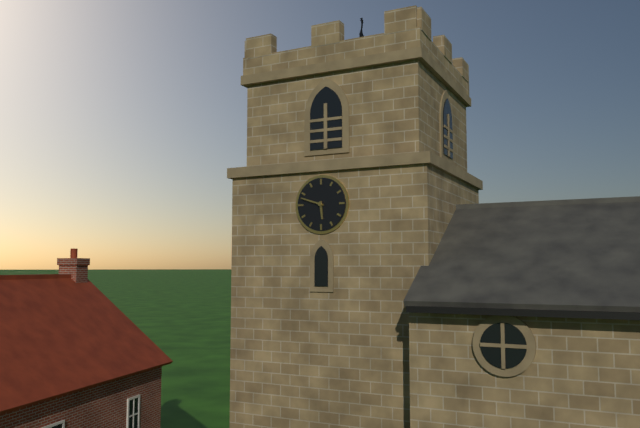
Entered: {"hour": 5, "minute": 48}
